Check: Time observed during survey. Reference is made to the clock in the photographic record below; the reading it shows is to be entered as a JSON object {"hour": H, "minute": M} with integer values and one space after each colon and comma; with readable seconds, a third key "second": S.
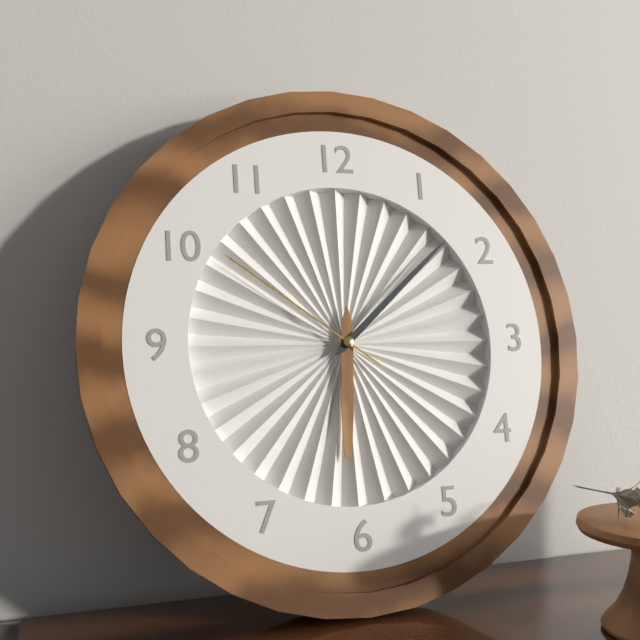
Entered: {"hour": 6, "minute": 8, "second": 51}
